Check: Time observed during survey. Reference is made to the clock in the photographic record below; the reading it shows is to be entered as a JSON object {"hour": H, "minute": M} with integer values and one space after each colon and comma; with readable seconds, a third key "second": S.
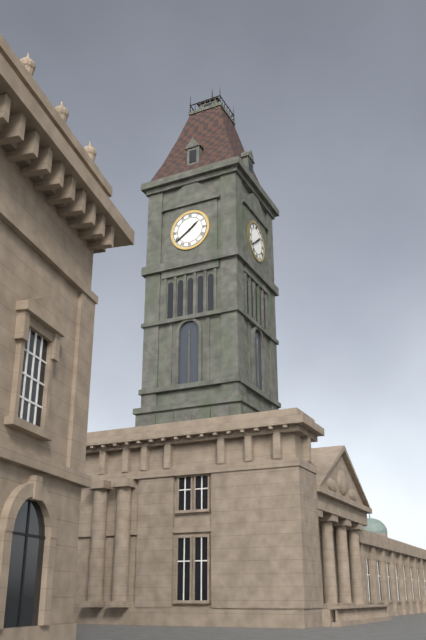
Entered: {"hour": 1, "minute": 39}
